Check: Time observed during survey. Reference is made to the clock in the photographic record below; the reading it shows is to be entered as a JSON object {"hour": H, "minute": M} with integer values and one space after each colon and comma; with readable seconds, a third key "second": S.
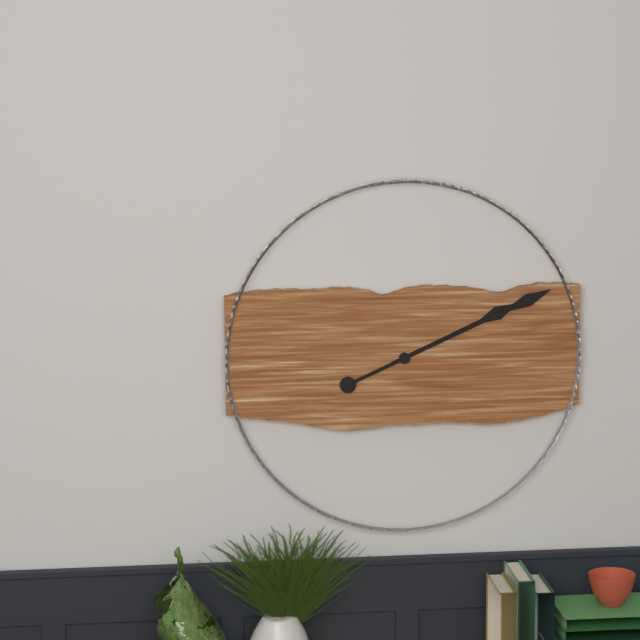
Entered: {"hour": 2, "minute": 11}
